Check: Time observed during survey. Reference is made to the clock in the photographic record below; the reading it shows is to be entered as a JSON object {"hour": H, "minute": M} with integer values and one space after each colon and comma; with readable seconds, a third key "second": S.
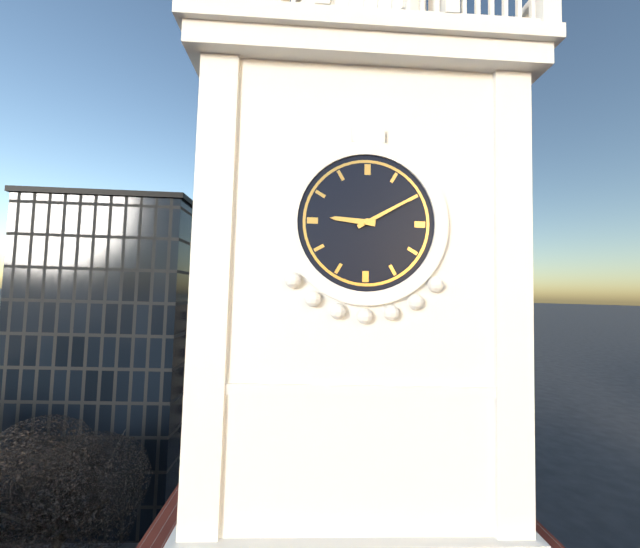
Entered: {"hour": 9, "minute": 10}
